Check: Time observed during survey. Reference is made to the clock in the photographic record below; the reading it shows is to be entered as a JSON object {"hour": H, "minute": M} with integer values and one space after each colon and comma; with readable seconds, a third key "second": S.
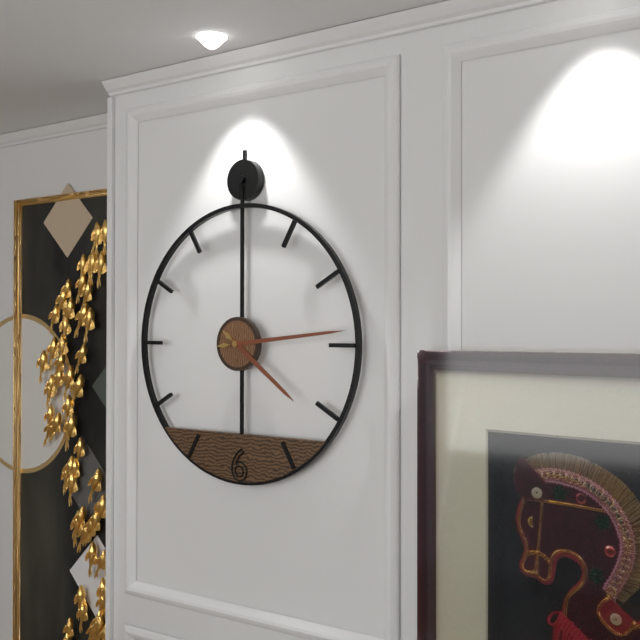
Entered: {"hour": 4, "minute": 14}
